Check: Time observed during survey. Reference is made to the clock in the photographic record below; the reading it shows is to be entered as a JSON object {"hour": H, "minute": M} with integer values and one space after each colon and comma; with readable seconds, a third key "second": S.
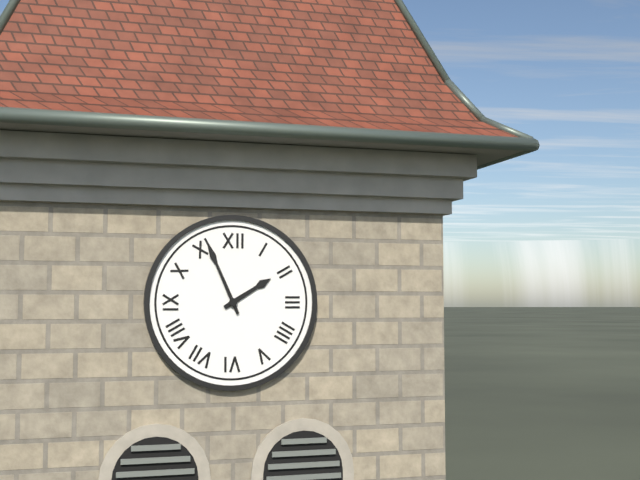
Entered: {"hour": 1, "minute": 56}
